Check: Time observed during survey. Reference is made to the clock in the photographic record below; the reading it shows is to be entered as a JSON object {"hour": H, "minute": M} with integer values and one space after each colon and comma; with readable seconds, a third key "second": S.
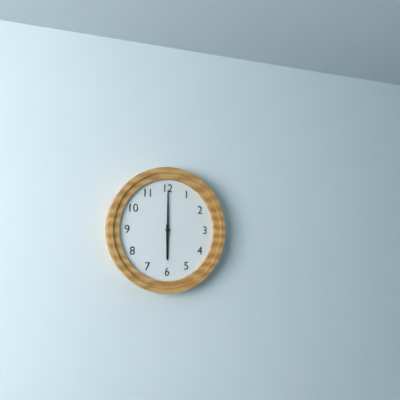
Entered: {"hour": 6, "minute": 0}
